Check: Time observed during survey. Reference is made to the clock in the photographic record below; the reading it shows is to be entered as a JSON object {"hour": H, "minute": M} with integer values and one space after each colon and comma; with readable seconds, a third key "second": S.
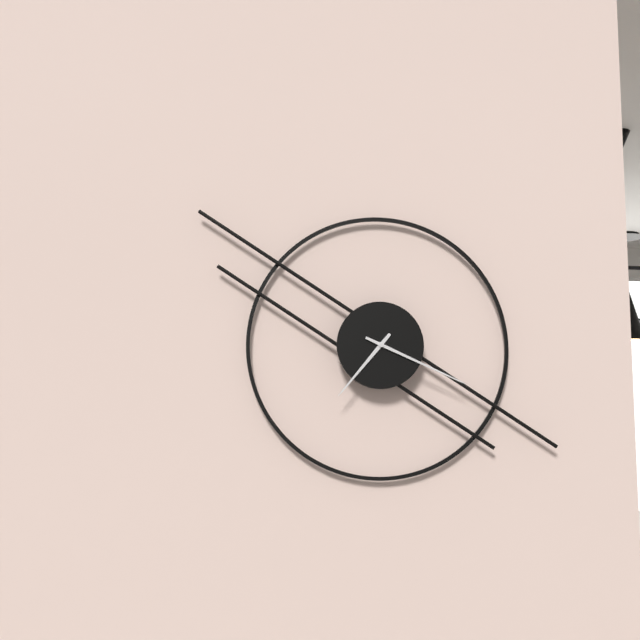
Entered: {"hour": 7, "minute": 19}
